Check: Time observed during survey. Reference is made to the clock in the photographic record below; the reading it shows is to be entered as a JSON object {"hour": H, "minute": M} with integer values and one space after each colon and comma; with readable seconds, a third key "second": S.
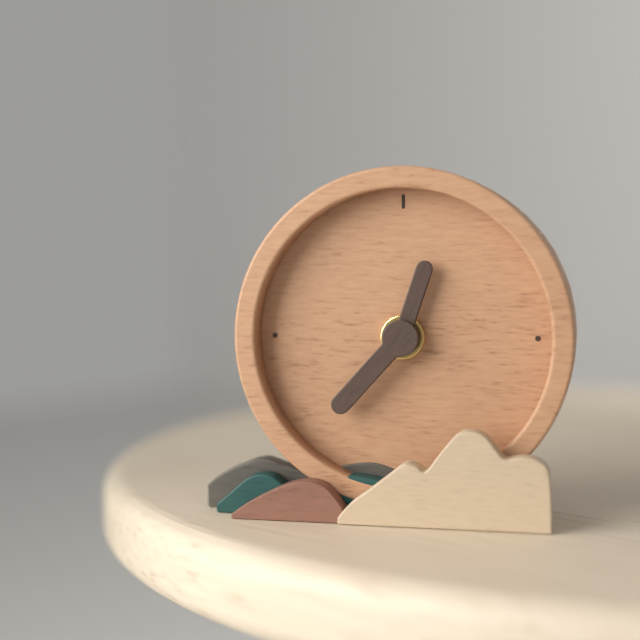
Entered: {"hour": 12, "minute": 37}
